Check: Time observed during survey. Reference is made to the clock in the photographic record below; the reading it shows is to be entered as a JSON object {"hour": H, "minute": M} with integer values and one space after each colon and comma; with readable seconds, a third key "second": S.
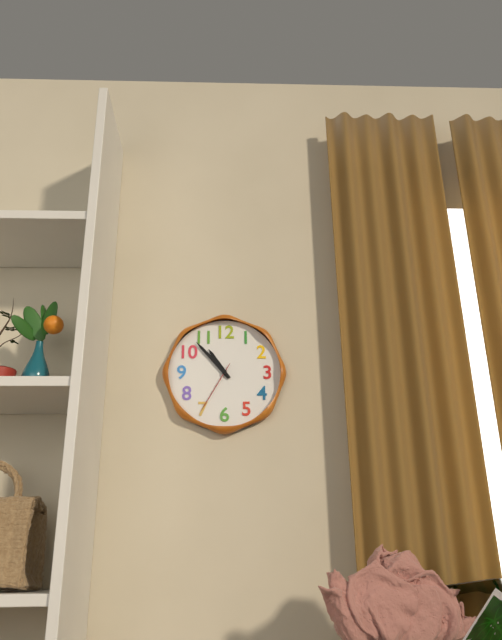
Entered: {"hour": 10, "minute": 53, "second": 35}
